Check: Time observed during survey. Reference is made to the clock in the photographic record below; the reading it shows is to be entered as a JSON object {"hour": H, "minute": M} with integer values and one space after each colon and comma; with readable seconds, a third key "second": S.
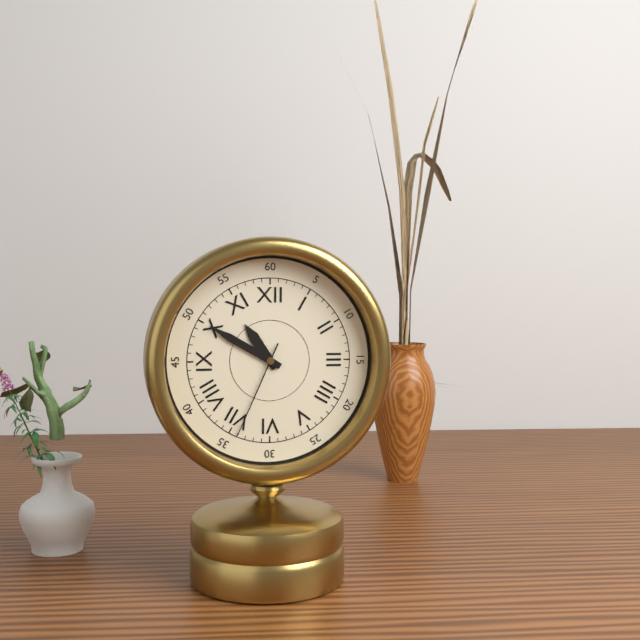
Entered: {"hour": 10, "minute": 50, "second": 34}
